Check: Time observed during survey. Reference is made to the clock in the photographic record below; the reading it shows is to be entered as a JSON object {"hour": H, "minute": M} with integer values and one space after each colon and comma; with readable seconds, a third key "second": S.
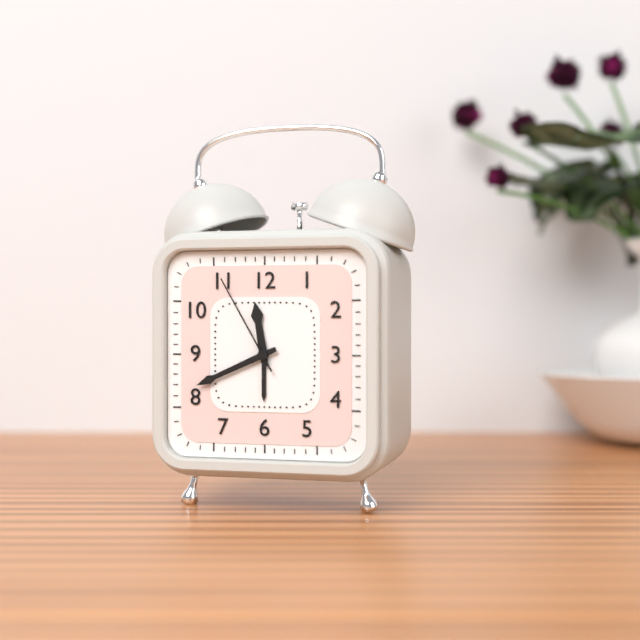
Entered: {"hour": 11, "minute": 41, "second": 55}
